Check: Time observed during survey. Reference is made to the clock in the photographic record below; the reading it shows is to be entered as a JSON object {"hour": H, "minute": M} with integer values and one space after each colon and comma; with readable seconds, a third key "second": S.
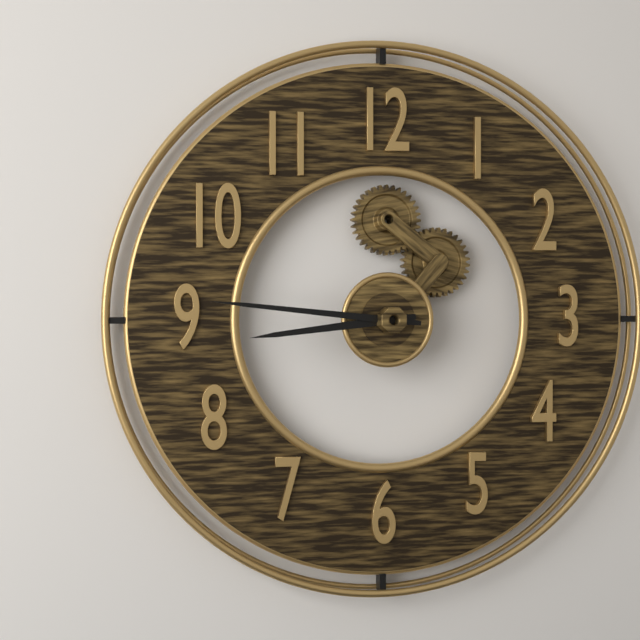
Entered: {"hour": 8, "minute": 46}
